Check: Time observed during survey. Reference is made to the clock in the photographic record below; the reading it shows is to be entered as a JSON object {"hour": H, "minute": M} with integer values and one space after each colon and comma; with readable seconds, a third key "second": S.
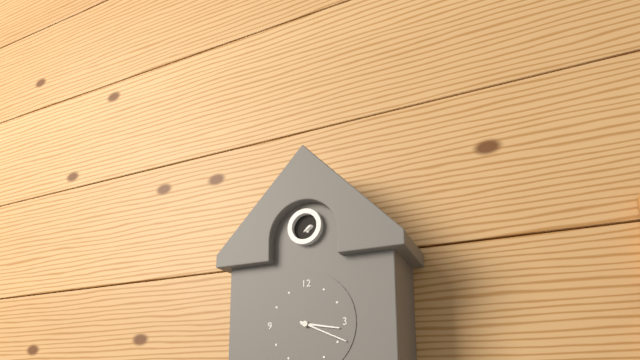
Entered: {"hour": 3, "minute": 19}
